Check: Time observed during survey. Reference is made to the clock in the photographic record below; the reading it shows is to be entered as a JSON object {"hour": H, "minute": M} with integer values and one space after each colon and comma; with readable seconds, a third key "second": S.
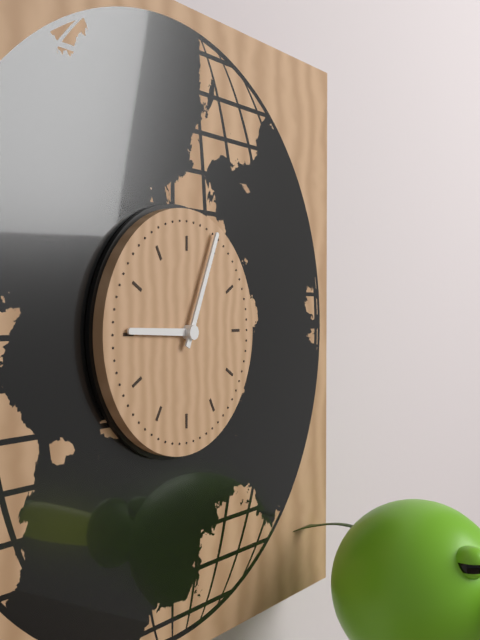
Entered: {"hour": 9, "minute": 4}
